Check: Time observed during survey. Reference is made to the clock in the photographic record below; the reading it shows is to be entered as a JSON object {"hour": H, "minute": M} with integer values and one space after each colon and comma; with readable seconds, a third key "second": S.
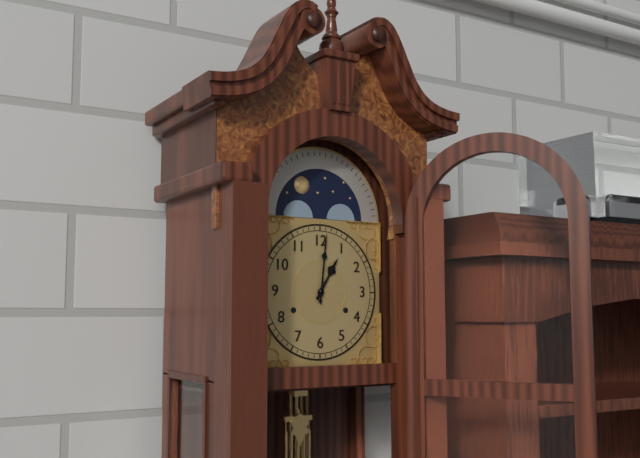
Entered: {"hour": 1, "minute": 1}
